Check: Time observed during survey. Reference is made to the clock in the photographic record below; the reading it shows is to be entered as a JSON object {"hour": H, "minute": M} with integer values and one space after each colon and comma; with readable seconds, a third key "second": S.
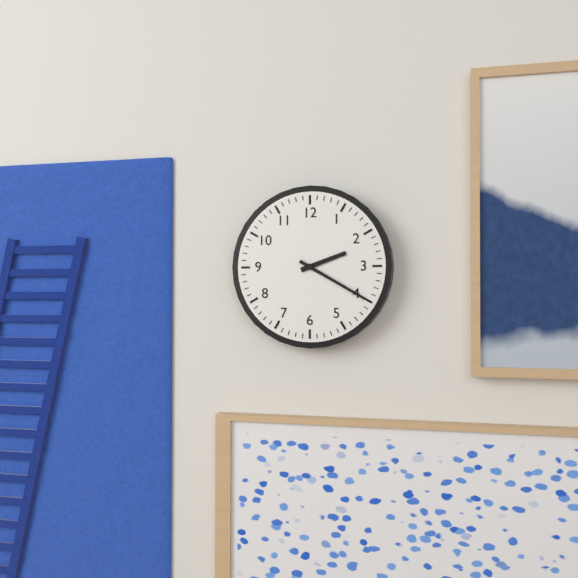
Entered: {"hour": 2, "minute": 20}
